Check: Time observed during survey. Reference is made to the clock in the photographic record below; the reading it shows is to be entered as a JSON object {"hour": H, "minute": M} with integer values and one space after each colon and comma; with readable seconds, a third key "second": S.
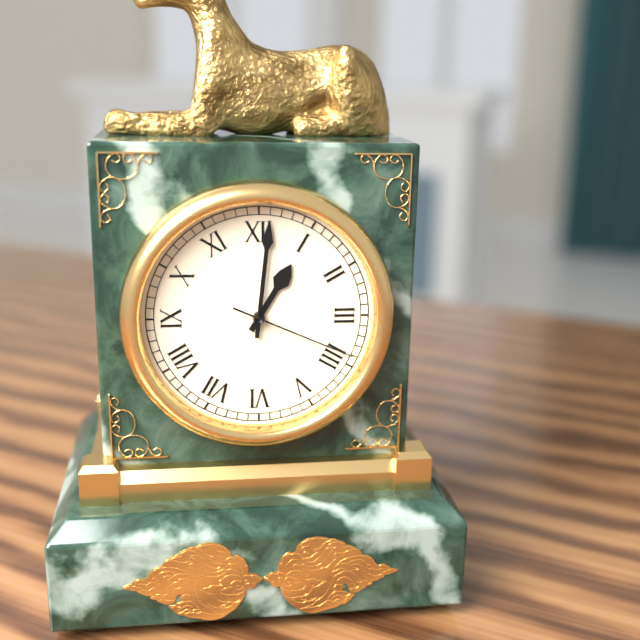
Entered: {"hour": 1, "minute": 1, "second": 19}
